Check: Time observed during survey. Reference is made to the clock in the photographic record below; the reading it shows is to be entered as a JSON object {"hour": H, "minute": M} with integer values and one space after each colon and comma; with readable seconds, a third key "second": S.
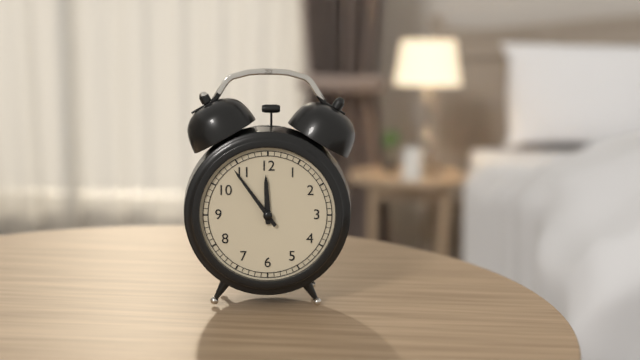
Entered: {"hour": 11, "minute": 54}
